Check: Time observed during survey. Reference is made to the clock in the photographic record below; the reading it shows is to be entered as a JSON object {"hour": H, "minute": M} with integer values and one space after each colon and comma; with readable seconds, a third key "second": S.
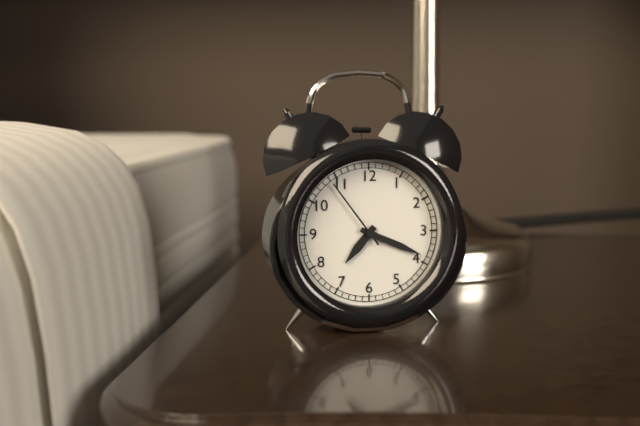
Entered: {"hour": 7, "minute": 19, "second": 54}
